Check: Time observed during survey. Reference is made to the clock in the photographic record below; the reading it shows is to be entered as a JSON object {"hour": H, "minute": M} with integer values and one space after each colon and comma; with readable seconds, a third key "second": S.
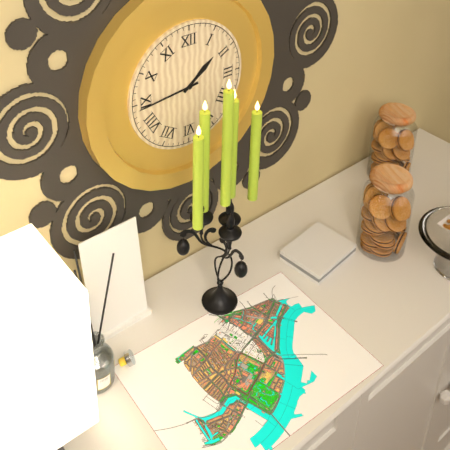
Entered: {"hour": 1, "minute": 44}
